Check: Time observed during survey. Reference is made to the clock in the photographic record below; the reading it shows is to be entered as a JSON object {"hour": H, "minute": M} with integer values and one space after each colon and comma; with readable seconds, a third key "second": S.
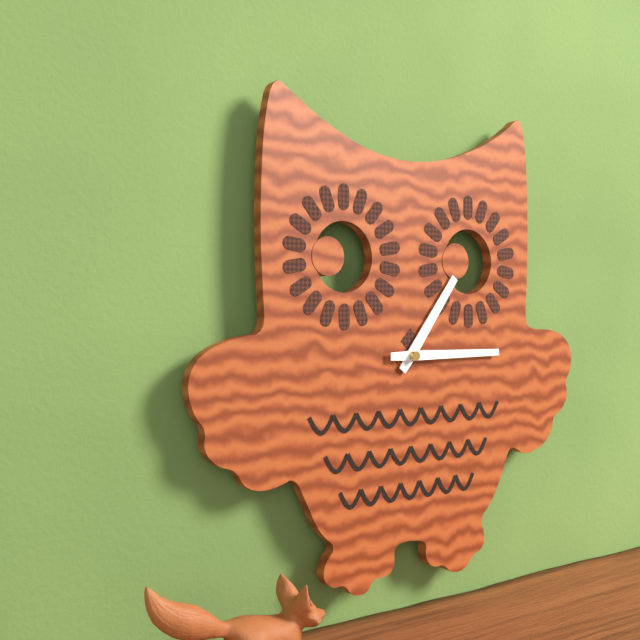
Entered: {"hour": 1, "minute": 15}
